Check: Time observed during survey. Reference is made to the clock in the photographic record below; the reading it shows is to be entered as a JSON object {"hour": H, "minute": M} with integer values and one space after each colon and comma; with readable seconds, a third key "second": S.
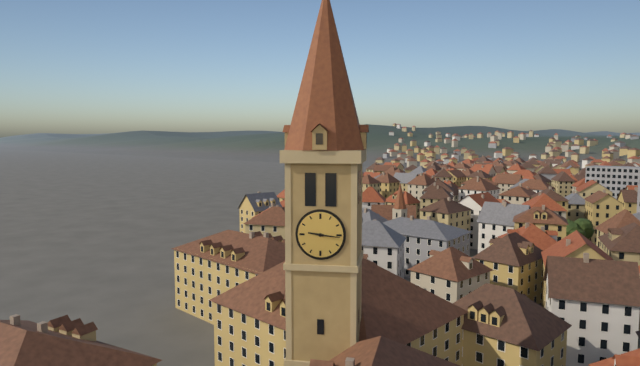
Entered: {"hour": 9, "minute": 16}
